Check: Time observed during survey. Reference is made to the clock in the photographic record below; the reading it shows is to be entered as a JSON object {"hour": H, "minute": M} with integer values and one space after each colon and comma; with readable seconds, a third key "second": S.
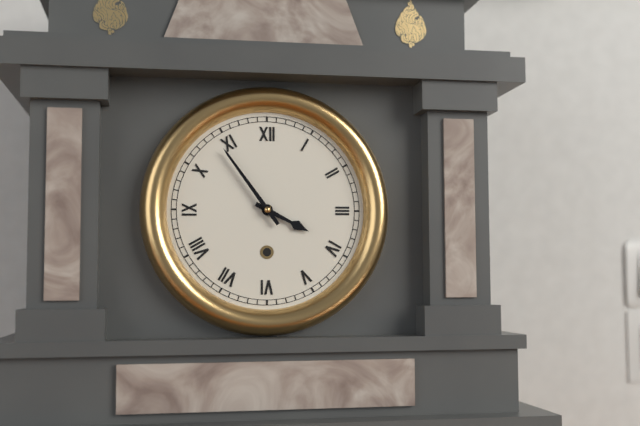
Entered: {"hour": 3, "minute": 54}
